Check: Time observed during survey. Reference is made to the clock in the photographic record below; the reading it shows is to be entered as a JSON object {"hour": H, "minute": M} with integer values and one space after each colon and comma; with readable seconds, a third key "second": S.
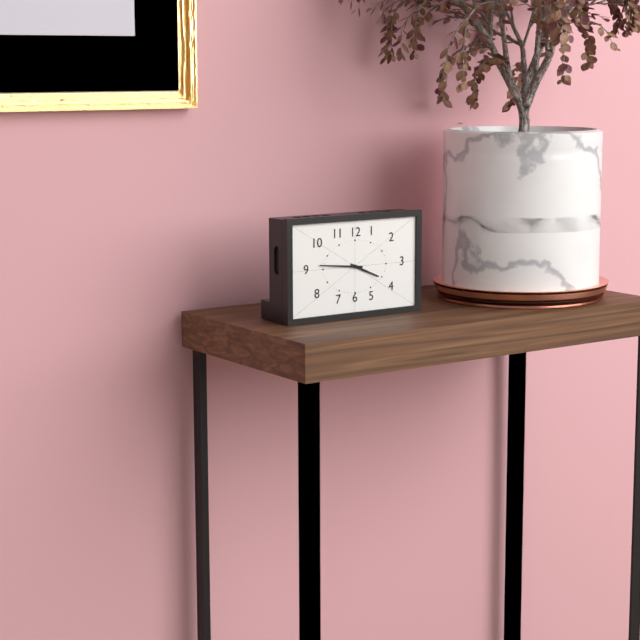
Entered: {"hour": 3, "minute": 46}
